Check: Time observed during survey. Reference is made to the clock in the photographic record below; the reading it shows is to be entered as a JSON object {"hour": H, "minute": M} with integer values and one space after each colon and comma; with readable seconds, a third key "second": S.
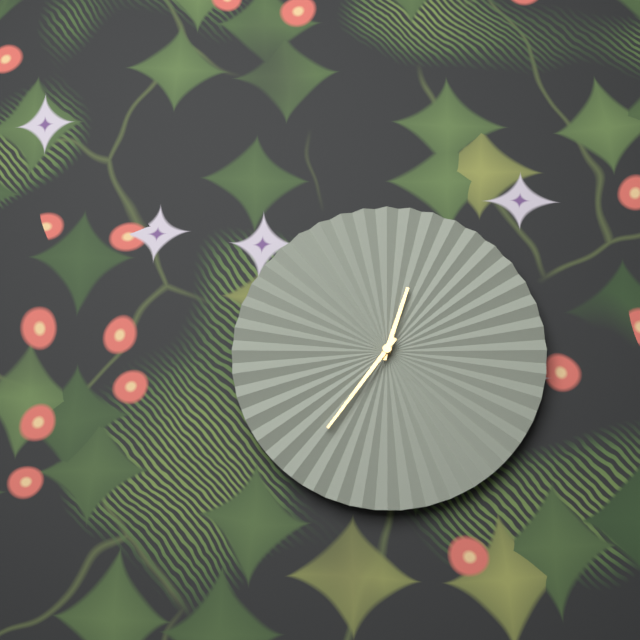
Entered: {"hour": 12, "minute": 36}
